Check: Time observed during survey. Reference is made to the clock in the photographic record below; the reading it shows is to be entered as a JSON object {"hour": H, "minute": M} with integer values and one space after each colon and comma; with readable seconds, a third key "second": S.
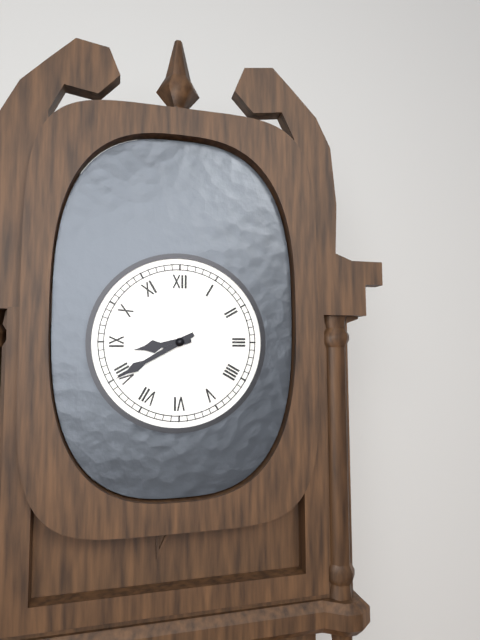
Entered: {"hour": 8, "minute": 40}
